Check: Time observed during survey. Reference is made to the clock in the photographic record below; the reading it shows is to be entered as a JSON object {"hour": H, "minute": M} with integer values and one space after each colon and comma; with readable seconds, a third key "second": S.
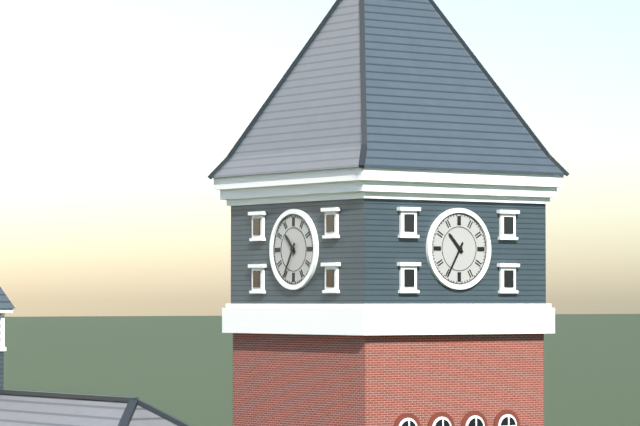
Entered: {"hour": 10, "minute": 35}
